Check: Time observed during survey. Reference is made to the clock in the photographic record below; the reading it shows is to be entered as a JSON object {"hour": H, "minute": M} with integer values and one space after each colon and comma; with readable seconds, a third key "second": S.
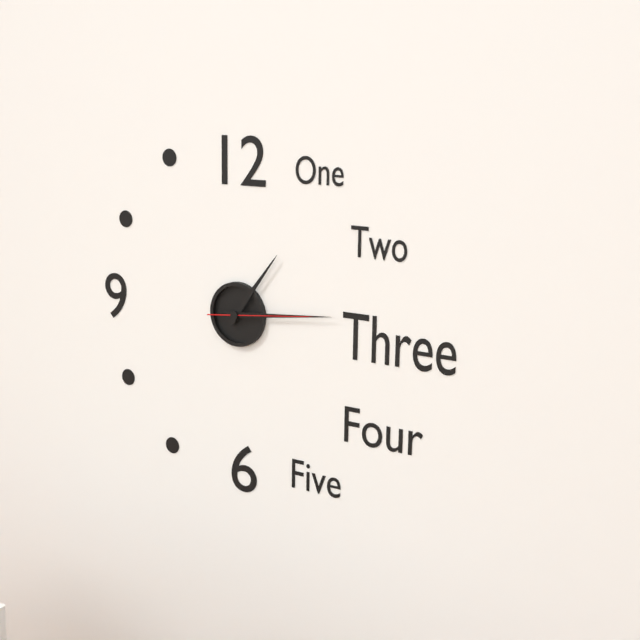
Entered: {"hour": 1, "minute": 14, "second": 14}
